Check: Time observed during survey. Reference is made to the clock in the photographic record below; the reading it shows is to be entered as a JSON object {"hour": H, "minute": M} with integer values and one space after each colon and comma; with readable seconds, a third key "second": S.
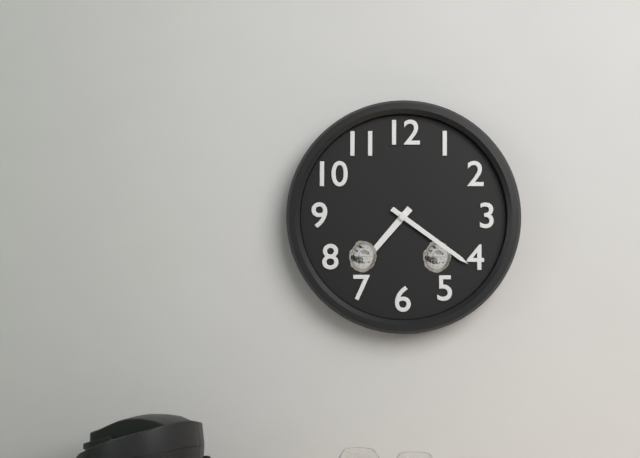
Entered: {"hour": 7, "minute": 21}
